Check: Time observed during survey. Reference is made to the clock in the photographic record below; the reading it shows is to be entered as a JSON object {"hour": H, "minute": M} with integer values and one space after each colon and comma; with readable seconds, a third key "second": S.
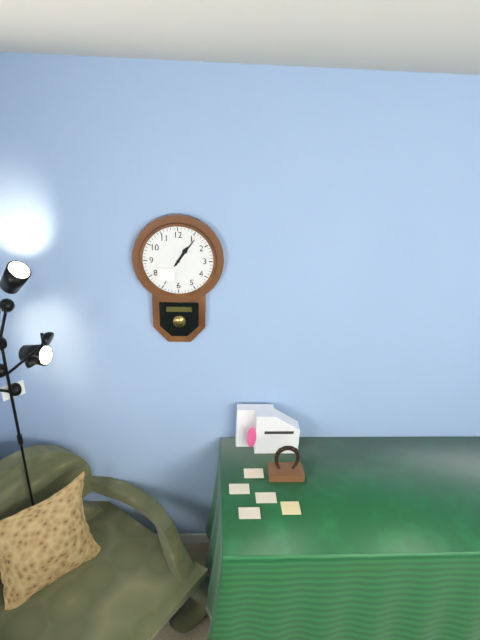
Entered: {"hour": 1, "minute": 6}
